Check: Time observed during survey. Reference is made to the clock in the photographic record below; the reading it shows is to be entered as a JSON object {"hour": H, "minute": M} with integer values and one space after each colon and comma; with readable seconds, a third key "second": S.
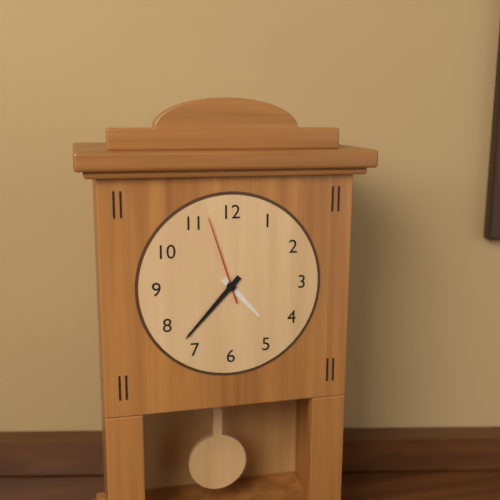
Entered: {"hour": 4, "minute": 37, "second": 57}
